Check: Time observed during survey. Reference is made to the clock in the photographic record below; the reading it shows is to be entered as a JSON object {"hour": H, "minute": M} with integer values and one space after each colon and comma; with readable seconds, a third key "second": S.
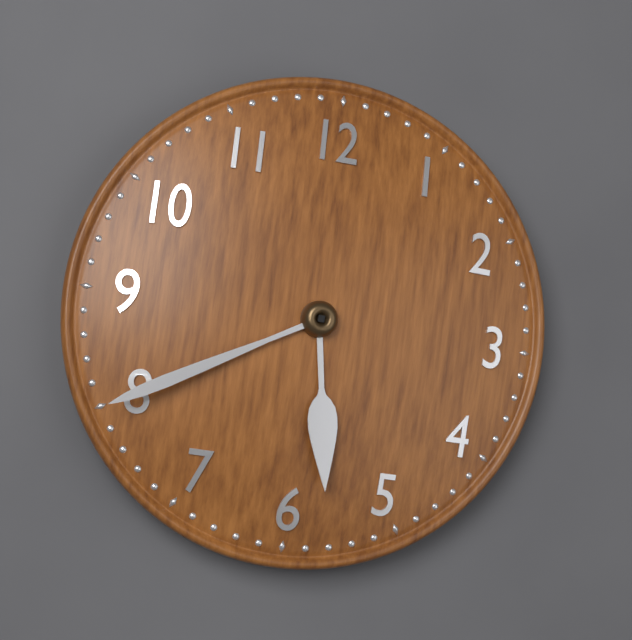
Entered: {"hour": 5, "minute": 40}
